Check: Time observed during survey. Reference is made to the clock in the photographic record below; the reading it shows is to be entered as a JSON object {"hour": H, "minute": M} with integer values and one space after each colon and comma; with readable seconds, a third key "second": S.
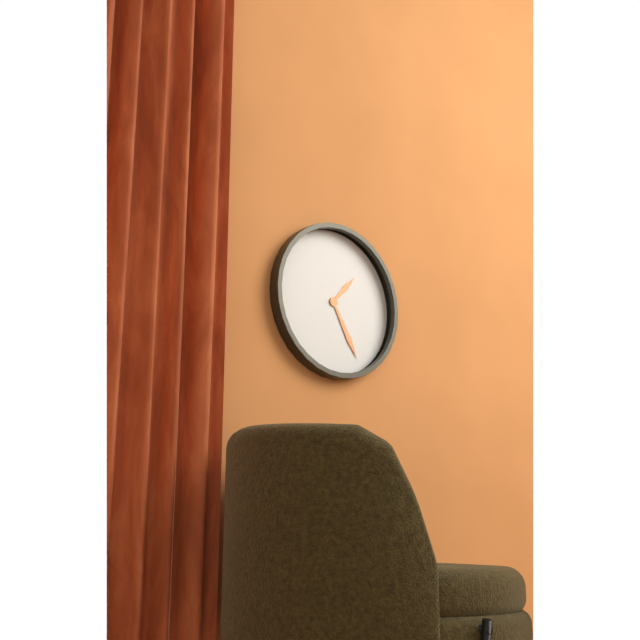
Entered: {"hour": 1, "minute": 25}
